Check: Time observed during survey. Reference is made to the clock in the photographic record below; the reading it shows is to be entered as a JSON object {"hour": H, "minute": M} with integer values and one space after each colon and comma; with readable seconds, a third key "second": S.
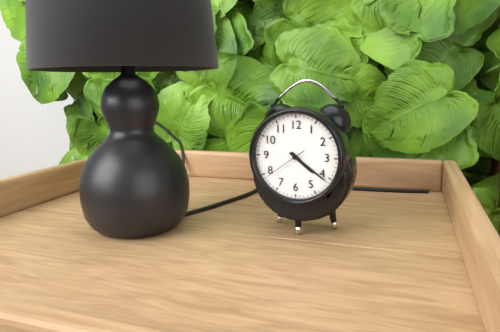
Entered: {"hour": 4, "minute": 21}
